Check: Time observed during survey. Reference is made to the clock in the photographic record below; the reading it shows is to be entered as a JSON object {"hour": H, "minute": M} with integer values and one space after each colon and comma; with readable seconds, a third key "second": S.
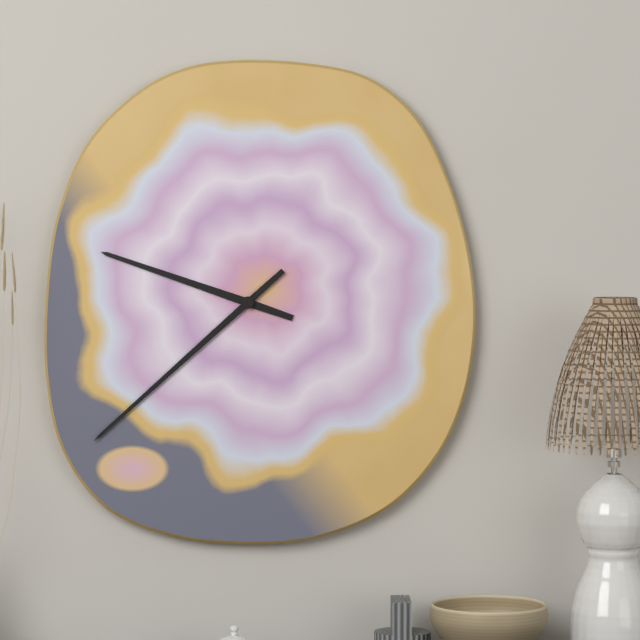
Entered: {"hour": 9, "minute": 38}
